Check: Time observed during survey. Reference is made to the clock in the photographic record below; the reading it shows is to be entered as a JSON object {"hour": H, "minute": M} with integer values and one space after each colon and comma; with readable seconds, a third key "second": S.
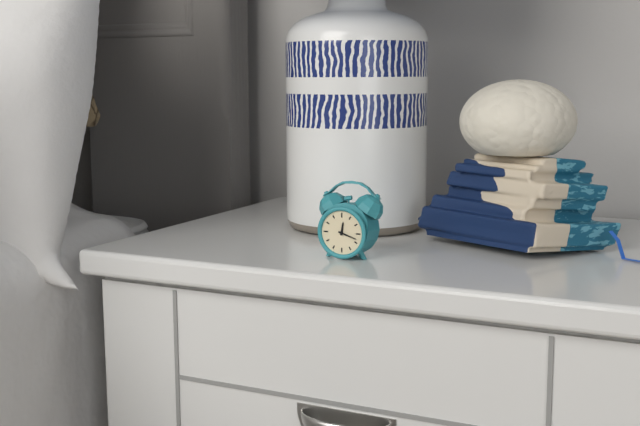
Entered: {"hour": 12, "minute": 18}
